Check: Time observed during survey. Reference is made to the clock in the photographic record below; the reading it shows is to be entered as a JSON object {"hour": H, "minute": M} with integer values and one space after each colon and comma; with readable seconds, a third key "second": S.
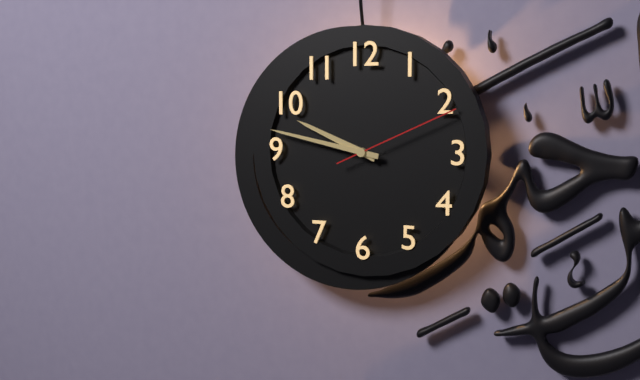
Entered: {"hour": 9, "minute": 47, "second": 11}
